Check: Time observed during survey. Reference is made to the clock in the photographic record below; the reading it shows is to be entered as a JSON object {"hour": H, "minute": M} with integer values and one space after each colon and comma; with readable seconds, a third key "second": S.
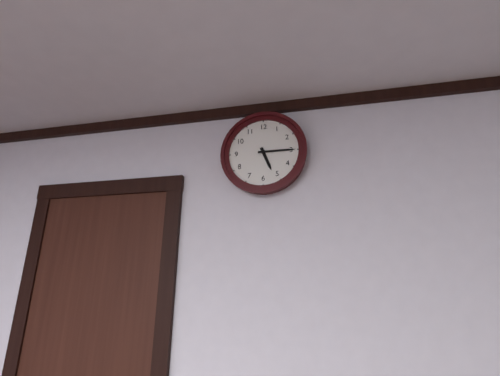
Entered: {"hour": 5, "minute": 15}
